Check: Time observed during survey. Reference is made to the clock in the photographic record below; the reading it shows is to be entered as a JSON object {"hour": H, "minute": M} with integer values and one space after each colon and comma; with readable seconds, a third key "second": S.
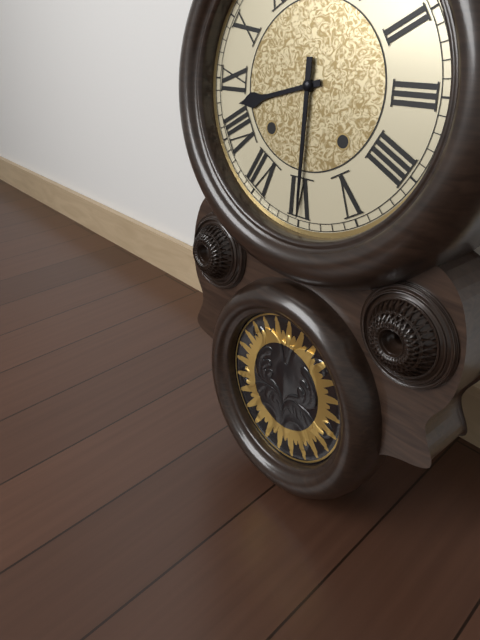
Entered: {"hour": 8, "minute": 30}
